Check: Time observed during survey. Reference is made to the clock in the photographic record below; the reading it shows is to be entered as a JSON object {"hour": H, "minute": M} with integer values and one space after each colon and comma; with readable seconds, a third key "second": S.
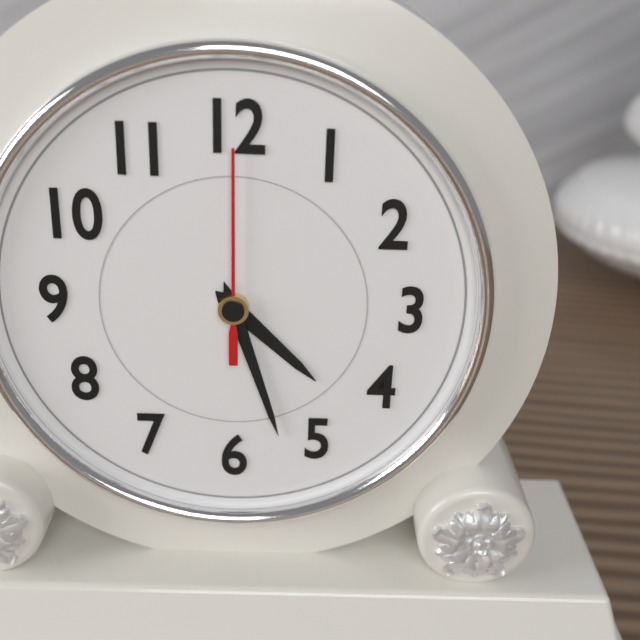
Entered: {"hour": 4, "minute": 27, "second": 0}
